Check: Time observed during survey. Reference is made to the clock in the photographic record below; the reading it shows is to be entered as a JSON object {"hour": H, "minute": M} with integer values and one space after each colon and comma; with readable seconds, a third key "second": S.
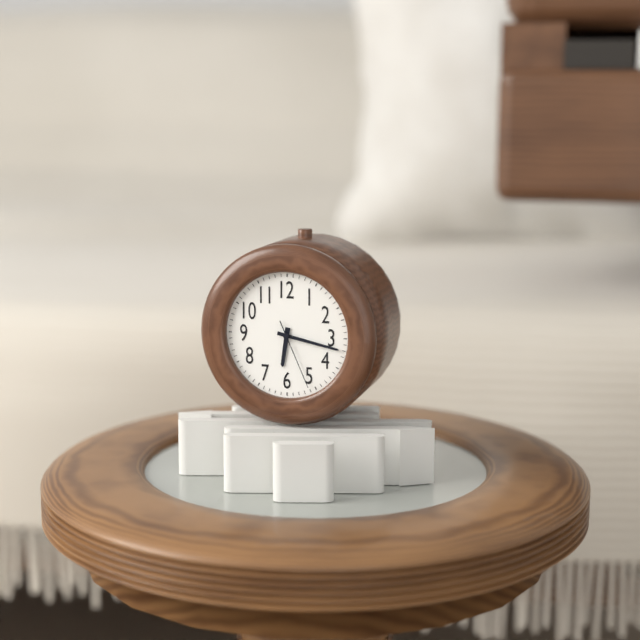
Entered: {"hour": 6, "minute": 17, "second": 26}
